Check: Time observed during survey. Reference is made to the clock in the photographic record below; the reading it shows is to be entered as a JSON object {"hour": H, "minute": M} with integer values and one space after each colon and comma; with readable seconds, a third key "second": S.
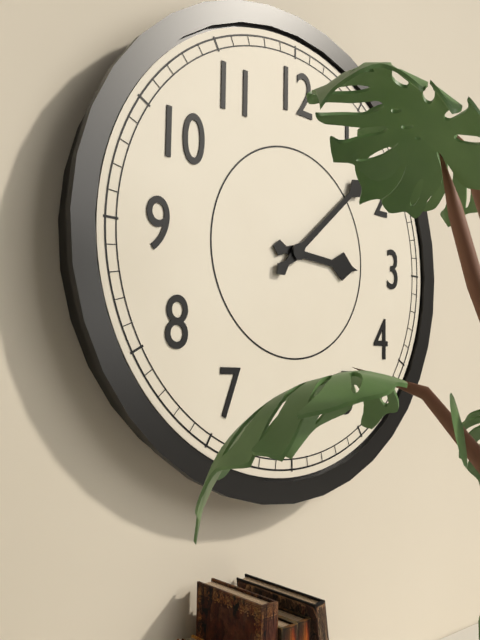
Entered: {"hour": 3, "minute": 8}
